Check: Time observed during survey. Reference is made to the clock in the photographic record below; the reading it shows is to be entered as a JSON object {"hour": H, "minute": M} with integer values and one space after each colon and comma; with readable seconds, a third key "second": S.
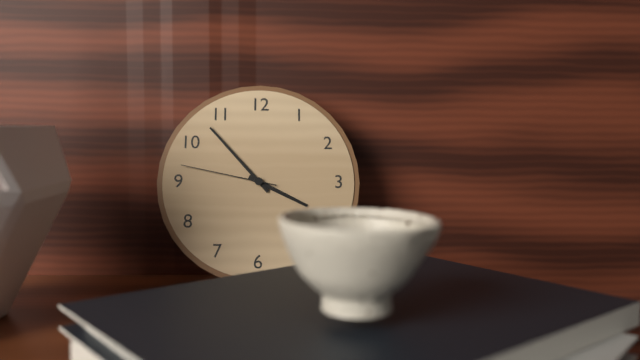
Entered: {"hour": 3, "minute": 53, "second": 47}
